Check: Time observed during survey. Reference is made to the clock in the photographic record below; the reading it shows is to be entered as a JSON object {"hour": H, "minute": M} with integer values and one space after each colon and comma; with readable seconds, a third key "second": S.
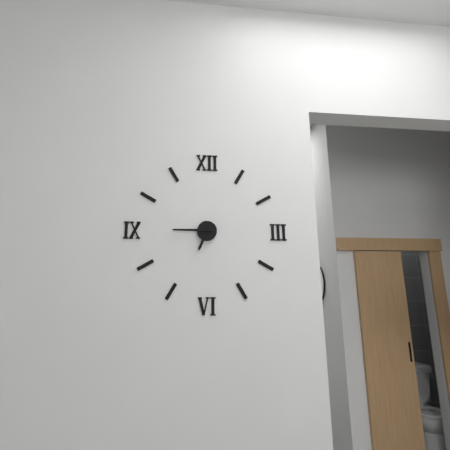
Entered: {"hour": 6, "minute": 45}
